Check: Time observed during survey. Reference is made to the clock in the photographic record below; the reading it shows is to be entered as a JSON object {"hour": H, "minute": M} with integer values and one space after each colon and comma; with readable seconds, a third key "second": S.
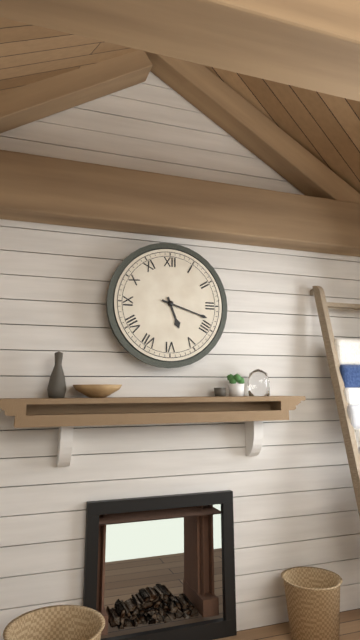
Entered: {"hour": 5, "minute": 18}
